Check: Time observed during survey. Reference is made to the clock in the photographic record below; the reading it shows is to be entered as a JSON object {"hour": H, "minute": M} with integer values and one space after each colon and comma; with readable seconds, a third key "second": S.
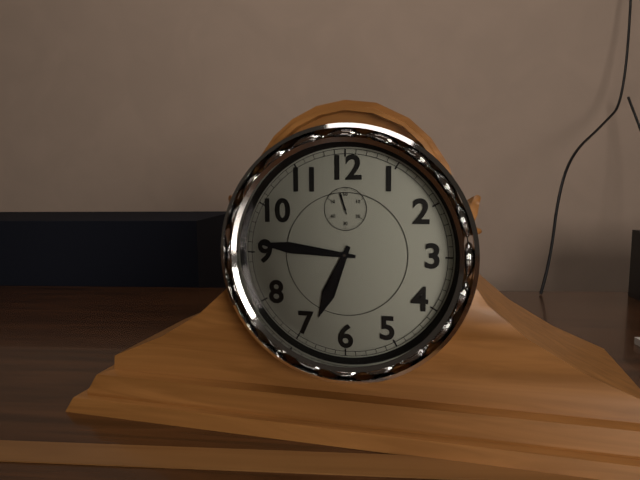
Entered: {"hour": 6, "minute": 46}
